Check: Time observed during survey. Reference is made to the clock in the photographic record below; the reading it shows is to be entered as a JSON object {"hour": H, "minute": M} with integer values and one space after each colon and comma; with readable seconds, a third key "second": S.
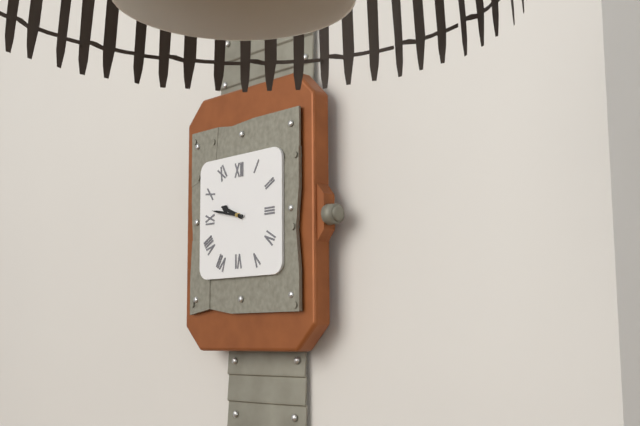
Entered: {"hour": 9, "minute": 47}
